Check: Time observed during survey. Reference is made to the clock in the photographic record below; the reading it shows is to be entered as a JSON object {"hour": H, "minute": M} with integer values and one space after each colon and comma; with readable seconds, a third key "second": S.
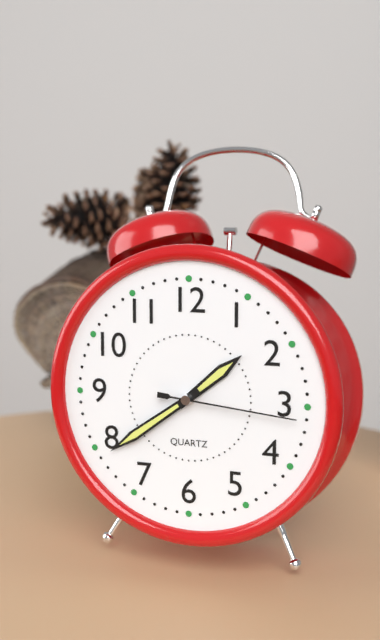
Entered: {"hour": 1, "minute": 39, "second": 16}
